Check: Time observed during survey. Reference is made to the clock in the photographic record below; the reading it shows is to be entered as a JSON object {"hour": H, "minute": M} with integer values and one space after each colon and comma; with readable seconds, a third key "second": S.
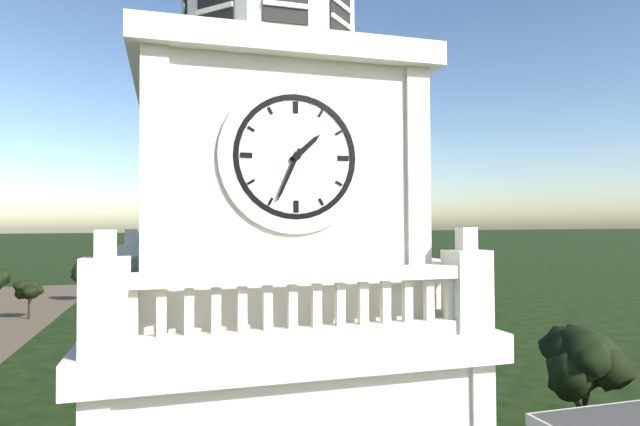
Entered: {"hour": 1, "minute": 34}
